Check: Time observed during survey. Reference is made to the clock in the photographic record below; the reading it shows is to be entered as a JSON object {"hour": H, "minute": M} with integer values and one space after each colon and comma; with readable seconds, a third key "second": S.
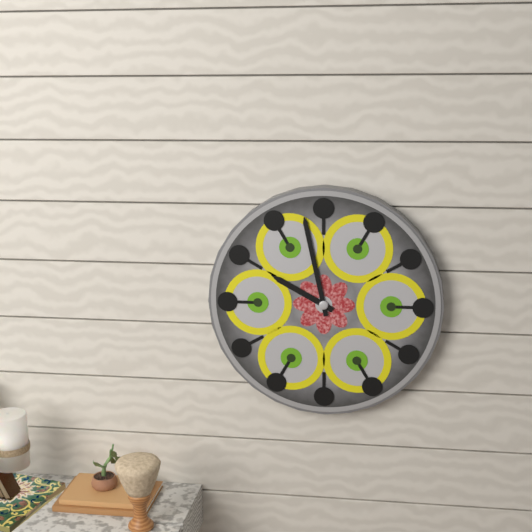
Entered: {"hour": 9, "minute": 58}
